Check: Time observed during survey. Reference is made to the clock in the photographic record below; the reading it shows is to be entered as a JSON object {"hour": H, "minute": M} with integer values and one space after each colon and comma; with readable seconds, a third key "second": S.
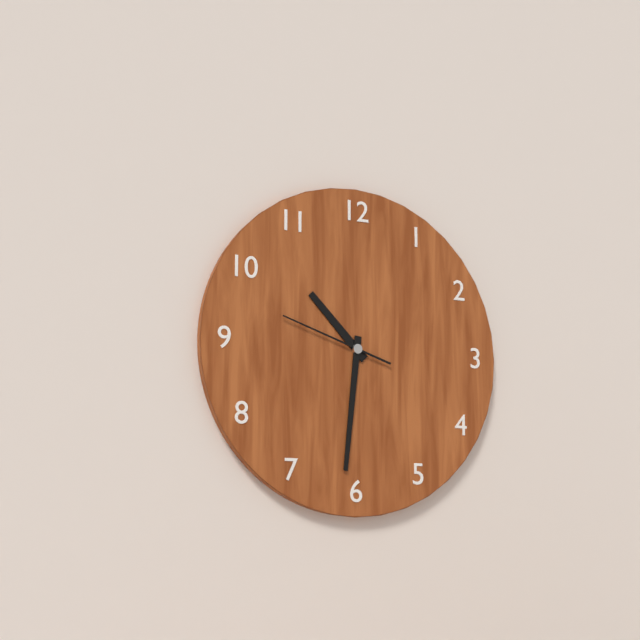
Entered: {"hour": 10, "minute": 31, "second": 48}
